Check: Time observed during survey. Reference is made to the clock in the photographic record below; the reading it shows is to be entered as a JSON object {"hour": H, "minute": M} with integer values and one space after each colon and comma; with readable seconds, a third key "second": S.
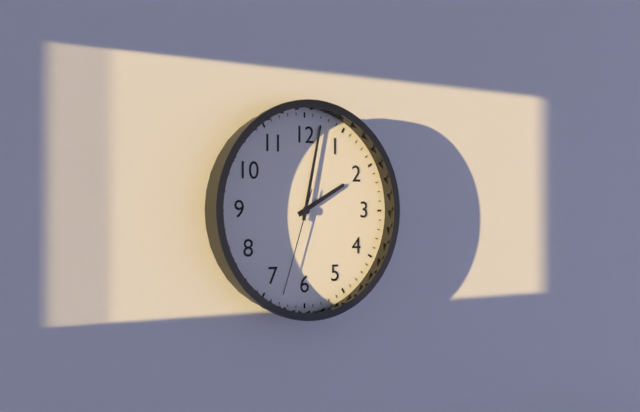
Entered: {"hour": 2, "minute": 2, "second": 33}
